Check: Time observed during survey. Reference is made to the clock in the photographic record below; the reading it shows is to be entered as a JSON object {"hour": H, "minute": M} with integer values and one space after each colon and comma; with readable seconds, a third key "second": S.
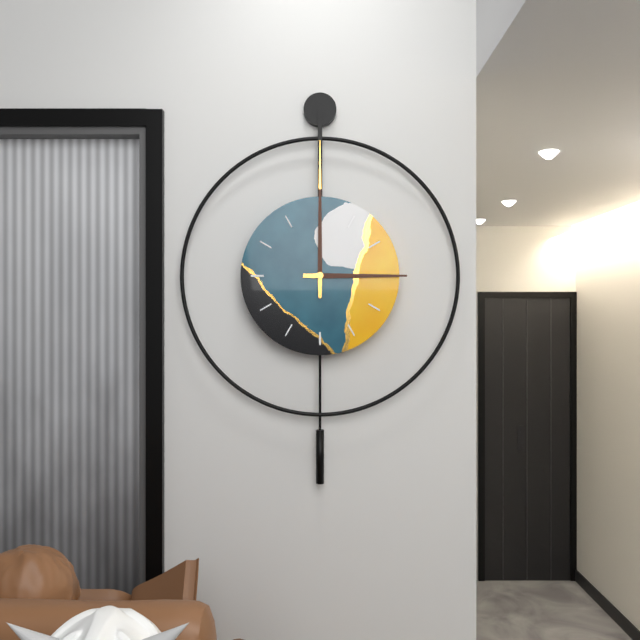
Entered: {"hour": 3, "minute": 0}
